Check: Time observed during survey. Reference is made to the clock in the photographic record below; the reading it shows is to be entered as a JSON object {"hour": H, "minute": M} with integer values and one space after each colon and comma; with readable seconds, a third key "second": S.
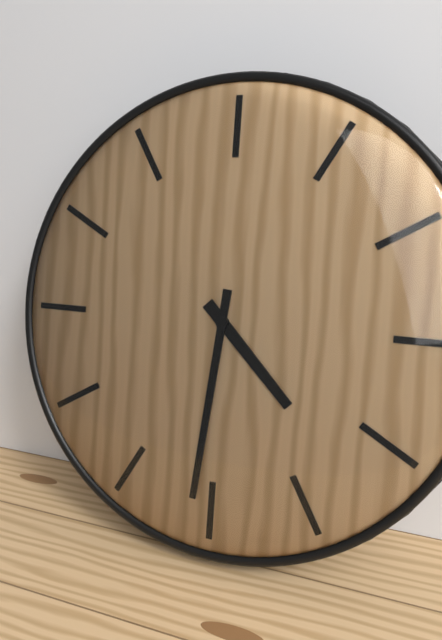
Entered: {"hour": 4, "minute": 31}
